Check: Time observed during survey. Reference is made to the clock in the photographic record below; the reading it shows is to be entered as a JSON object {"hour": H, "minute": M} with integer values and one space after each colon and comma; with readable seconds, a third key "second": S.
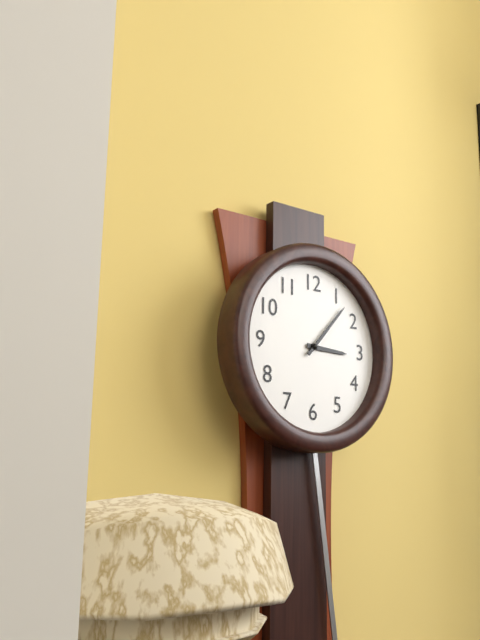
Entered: {"hour": 3, "minute": 7}
